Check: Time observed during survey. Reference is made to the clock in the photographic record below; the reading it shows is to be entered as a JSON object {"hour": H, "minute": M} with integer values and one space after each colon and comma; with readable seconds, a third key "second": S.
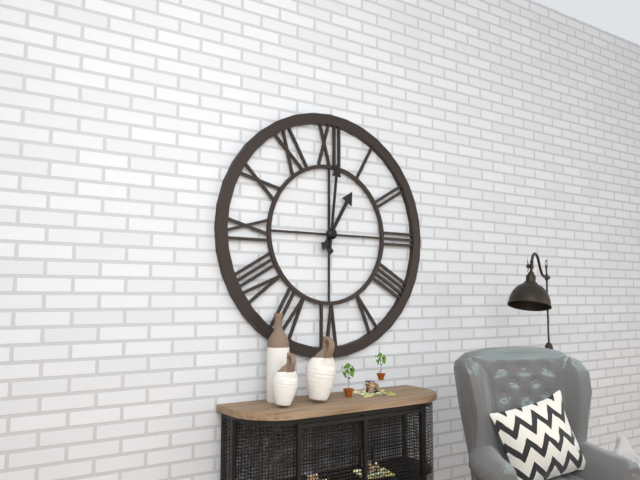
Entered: {"hour": 1, "minute": 1}
